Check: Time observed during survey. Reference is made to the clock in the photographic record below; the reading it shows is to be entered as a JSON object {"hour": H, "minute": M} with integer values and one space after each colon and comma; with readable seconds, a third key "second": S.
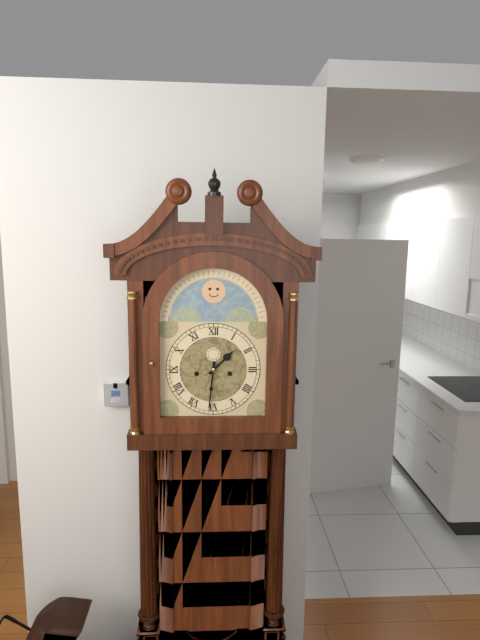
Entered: {"hour": 1, "minute": 31}
